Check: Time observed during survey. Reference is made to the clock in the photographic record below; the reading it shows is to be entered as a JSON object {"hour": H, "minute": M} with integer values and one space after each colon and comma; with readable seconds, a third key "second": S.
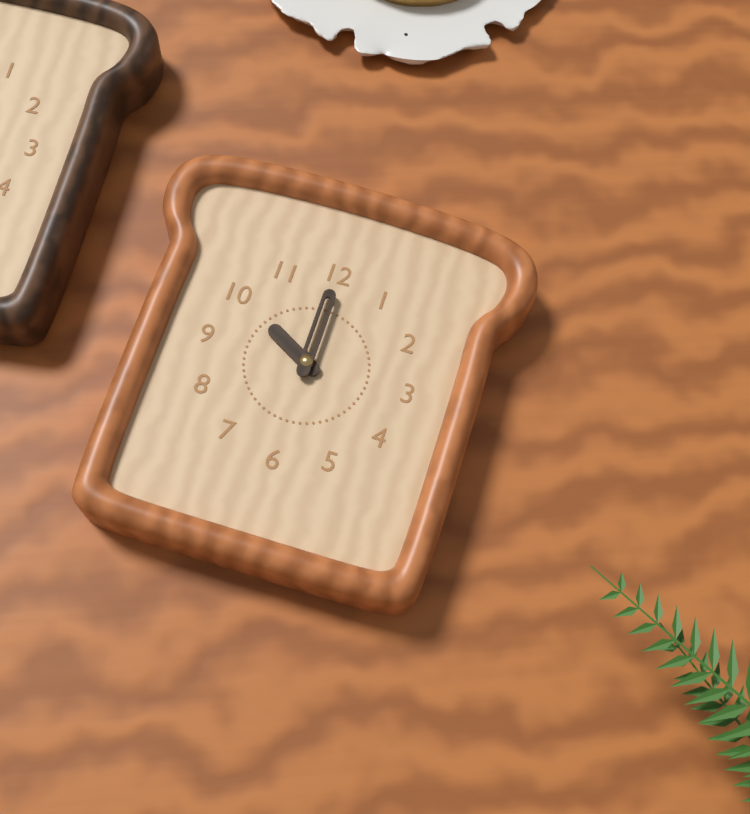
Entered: {"hour": 10, "minute": 0}
